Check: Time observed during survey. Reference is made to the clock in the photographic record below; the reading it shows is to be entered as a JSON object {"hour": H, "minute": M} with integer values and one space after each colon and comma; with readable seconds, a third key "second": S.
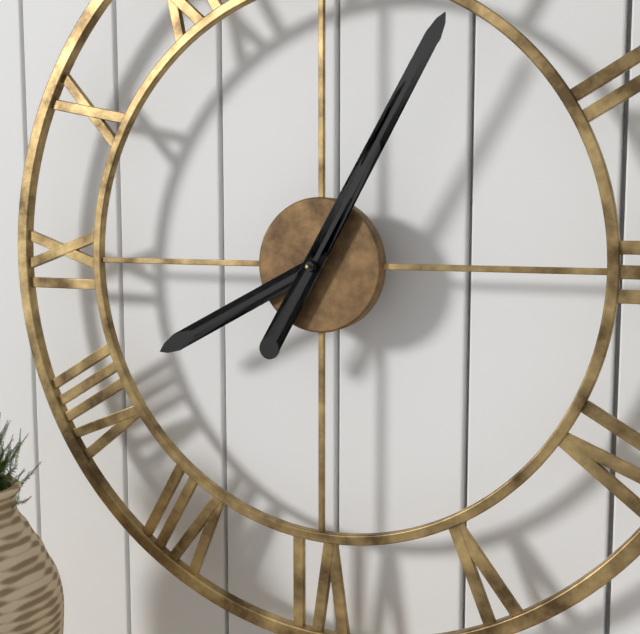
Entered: {"hour": 8, "minute": 5}
